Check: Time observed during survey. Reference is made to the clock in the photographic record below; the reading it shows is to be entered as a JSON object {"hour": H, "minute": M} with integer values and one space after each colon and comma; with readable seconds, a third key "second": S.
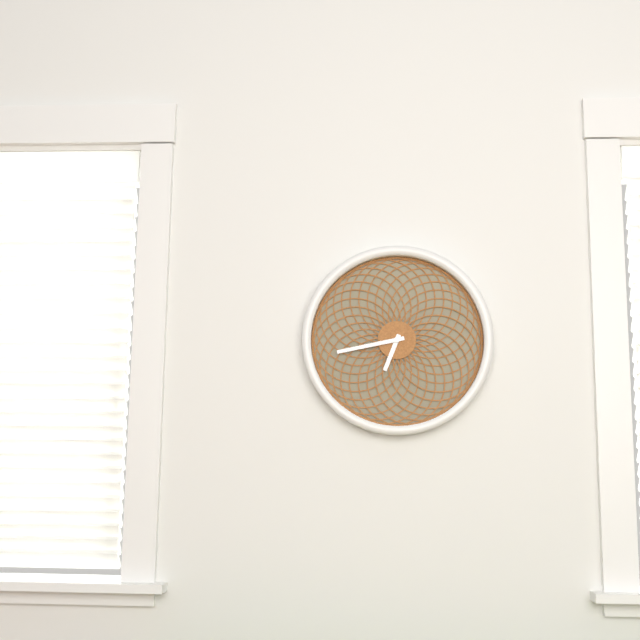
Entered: {"hour": 6, "minute": 43}
